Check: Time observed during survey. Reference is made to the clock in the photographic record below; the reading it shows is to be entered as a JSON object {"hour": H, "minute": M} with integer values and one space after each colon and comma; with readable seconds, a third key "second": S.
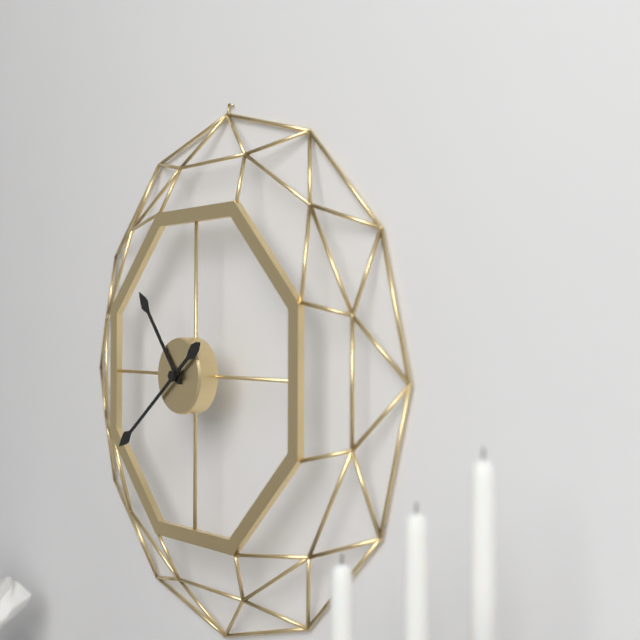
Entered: {"hour": 10, "minute": 39}
